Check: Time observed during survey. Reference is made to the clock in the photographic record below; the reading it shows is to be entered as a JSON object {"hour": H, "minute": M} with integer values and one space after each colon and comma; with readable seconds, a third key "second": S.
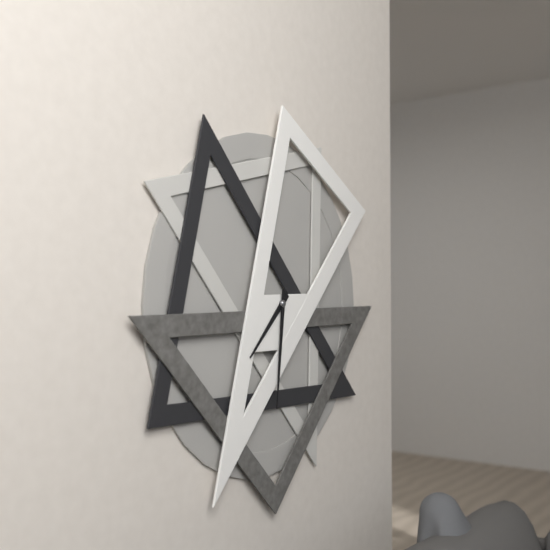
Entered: {"hour": 7, "minute": 31}
